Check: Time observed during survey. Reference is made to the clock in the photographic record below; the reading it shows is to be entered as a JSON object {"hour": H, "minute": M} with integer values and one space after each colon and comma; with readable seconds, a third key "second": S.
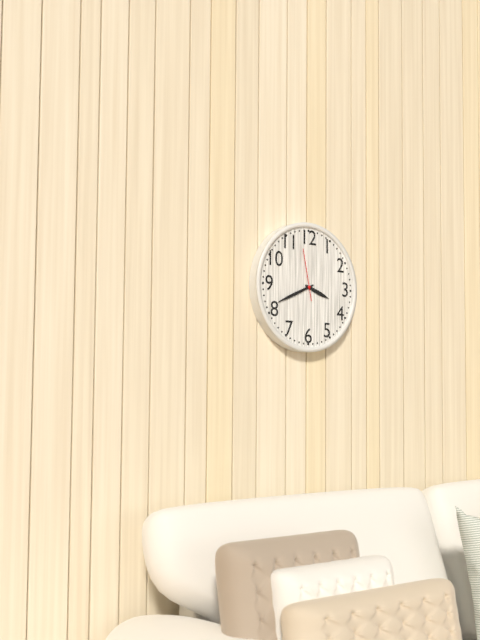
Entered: {"hour": 3, "minute": 41}
